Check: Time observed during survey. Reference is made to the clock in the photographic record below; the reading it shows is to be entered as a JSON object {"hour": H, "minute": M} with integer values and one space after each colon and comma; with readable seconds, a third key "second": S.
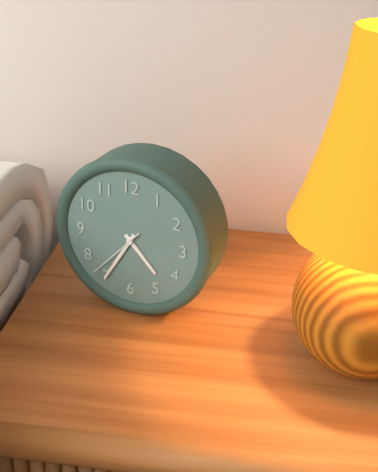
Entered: {"hour": 4, "minute": 35, "second": 37}
